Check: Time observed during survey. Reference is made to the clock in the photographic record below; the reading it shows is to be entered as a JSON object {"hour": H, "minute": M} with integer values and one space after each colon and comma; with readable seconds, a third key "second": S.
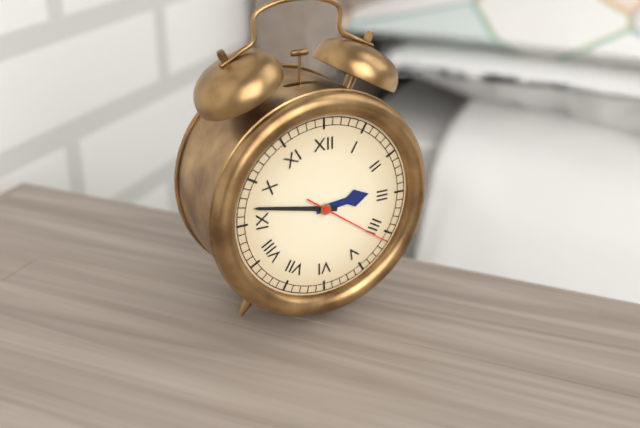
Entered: {"hour": 2, "minute": 47, "second": 21}
